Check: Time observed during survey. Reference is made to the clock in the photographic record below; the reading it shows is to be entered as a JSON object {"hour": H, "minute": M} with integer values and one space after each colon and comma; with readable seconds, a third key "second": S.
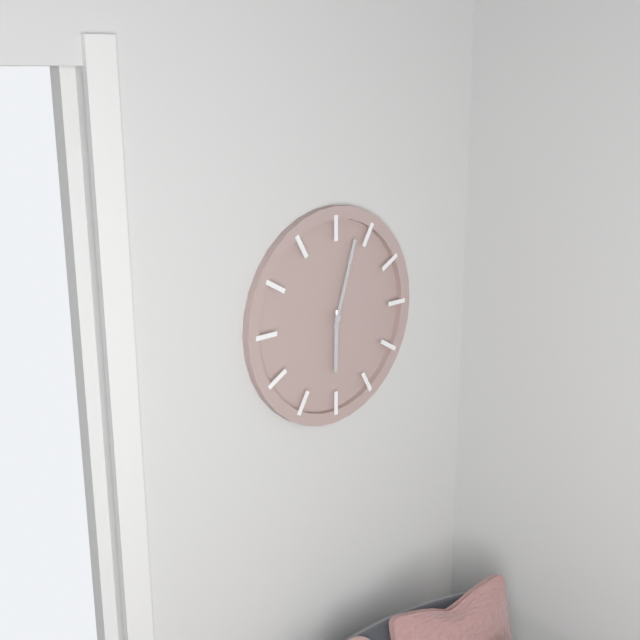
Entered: {"hour": 6, "minute": 3}
